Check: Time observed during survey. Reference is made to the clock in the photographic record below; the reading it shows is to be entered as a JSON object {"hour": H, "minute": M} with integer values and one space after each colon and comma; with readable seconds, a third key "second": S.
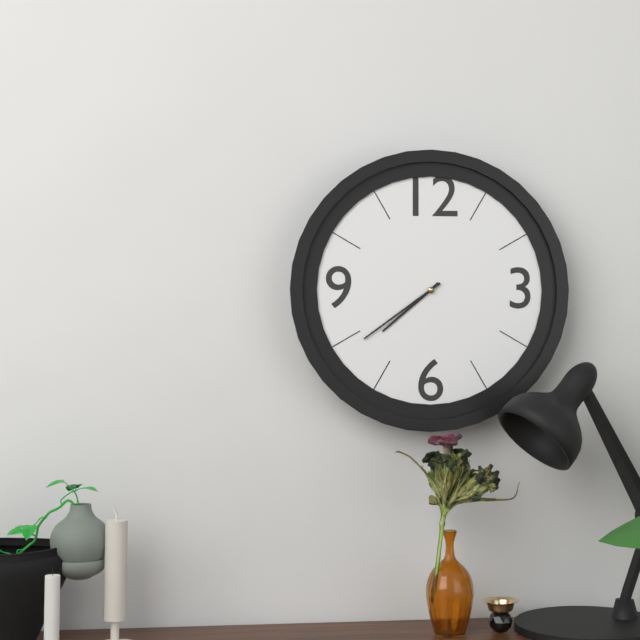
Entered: {"hour": 7, "minute": 39}
